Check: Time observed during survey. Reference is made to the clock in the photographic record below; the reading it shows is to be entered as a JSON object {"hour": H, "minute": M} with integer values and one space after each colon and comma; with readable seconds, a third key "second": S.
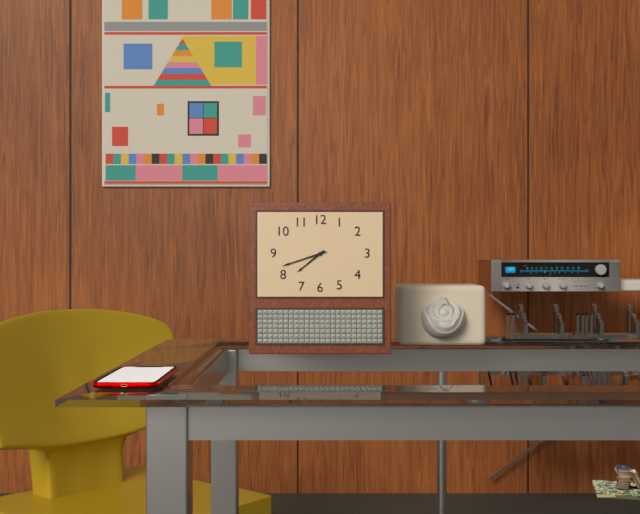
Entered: {"hour": 7, "minute": 42}
